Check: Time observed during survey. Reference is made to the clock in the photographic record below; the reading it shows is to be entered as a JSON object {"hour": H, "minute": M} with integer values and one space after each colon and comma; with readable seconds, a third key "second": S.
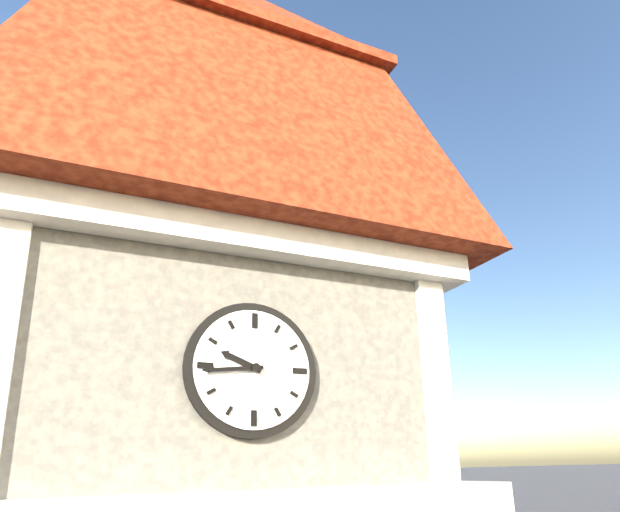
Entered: {"hour": 9, "minute": 44}
